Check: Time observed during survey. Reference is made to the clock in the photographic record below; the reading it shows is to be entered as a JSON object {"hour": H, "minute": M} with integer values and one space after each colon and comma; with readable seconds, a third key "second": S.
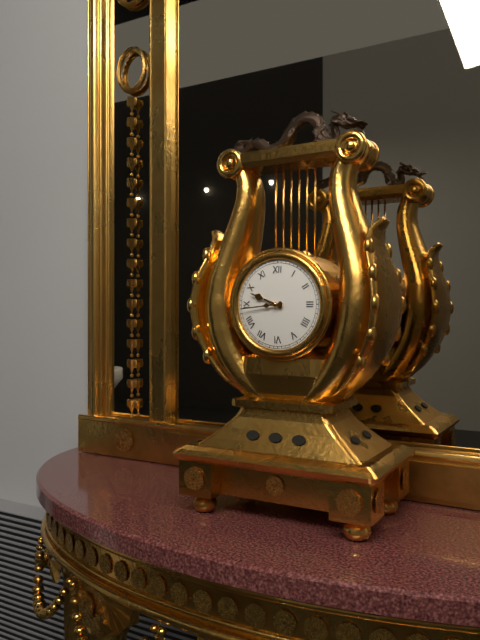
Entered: {"hour": 9, "minute": 44}
